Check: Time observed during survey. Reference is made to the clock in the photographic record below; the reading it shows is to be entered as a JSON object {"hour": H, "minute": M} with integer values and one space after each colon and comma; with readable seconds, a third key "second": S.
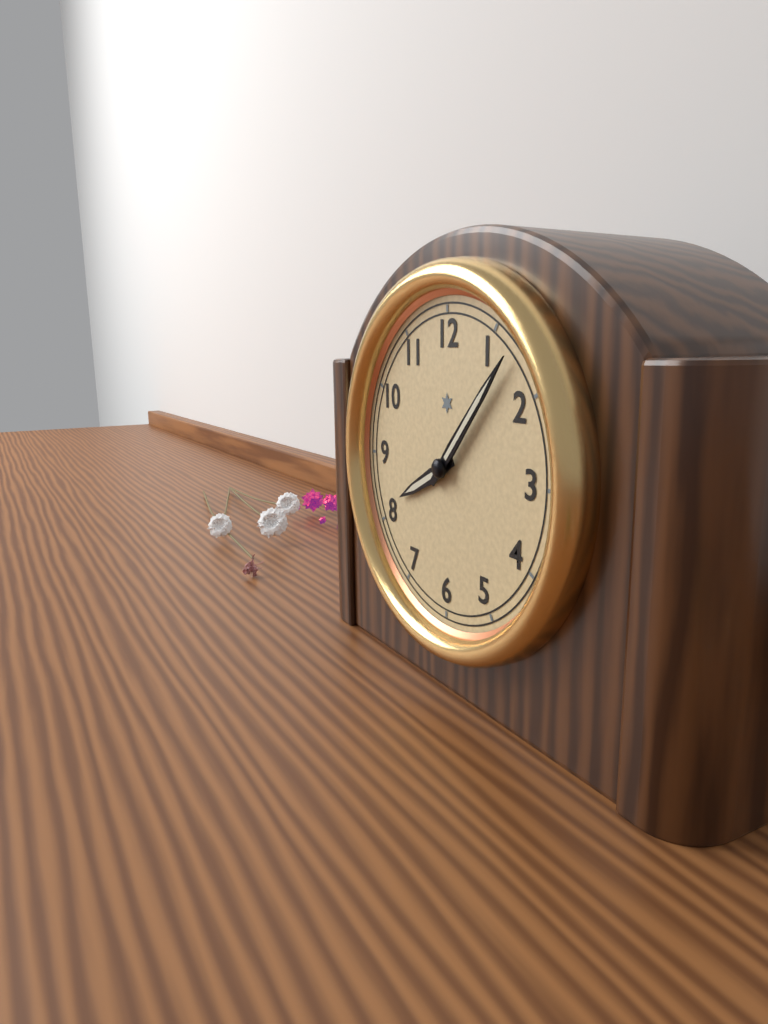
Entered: {"hour": 8, "minute": 7}
